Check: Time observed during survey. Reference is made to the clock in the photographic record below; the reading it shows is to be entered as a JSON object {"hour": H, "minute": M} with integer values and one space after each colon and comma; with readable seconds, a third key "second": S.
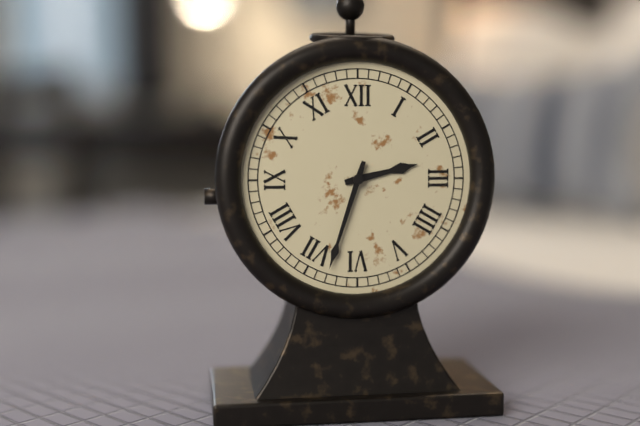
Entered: {"hour": 2, "minute": 33}
